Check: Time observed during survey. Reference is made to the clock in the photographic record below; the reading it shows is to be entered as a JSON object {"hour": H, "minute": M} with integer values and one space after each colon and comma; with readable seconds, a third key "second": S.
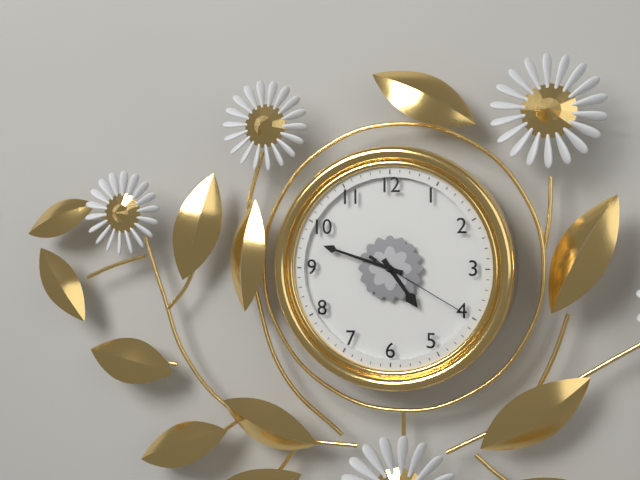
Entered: {"hour": 4, "minute": 48, "second": 20}
